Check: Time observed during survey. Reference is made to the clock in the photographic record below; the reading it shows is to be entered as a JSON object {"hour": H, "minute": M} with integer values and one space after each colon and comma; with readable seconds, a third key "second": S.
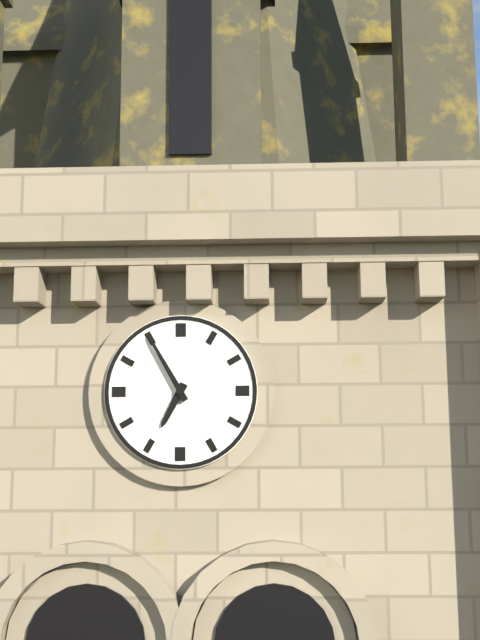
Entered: {"hour": 6, "minute": 55}
